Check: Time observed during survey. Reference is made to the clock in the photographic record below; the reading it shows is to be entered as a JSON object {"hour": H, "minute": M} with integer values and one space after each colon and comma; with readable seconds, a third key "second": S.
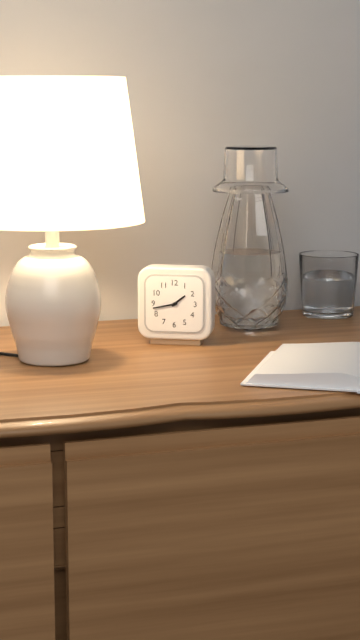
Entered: {"hour": 1, "minute": 43}
